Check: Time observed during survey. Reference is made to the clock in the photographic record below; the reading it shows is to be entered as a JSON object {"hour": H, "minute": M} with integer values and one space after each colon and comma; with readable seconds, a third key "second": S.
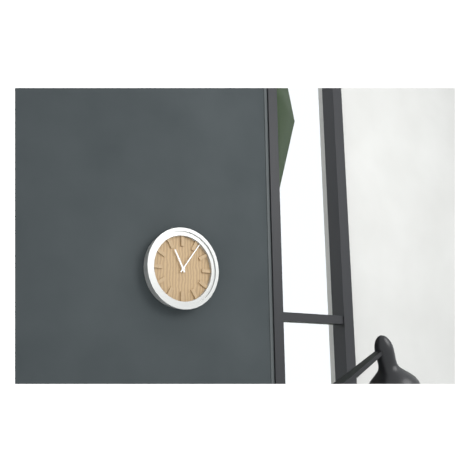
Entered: {"hour": 11, "minute": 6}
